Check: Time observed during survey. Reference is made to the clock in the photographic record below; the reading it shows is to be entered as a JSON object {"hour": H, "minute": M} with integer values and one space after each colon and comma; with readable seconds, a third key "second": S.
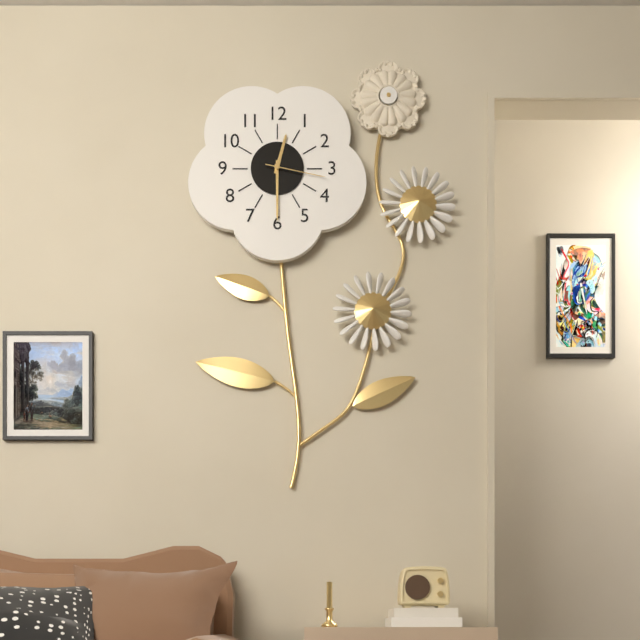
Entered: {"hour": 12, "minute": 30, "second": 17}
